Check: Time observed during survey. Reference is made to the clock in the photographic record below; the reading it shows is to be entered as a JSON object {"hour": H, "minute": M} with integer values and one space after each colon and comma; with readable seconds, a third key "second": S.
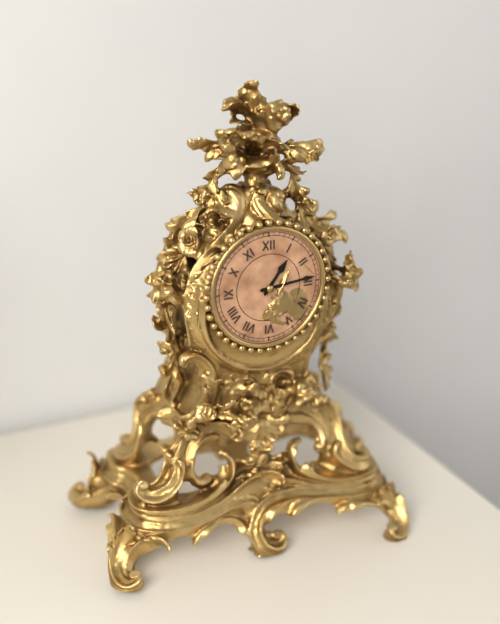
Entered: {"hour": 1, "minute": 14}
